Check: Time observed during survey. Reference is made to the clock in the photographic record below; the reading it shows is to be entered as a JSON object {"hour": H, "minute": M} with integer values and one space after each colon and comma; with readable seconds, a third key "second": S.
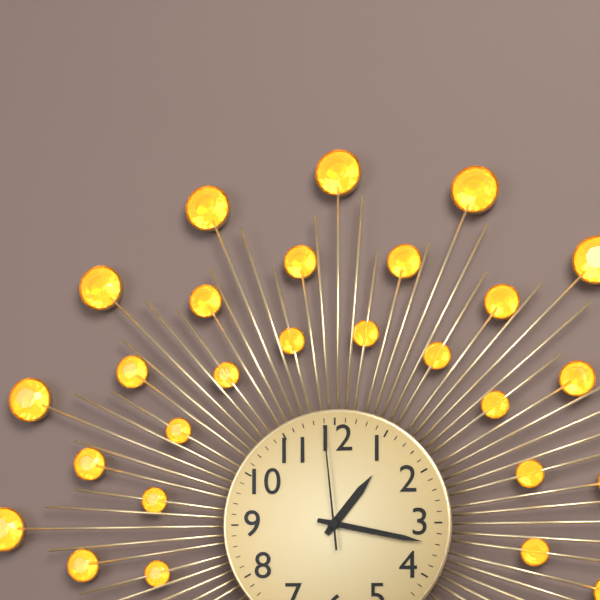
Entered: {"hour": 1, "minute": 17, "second": 59}
